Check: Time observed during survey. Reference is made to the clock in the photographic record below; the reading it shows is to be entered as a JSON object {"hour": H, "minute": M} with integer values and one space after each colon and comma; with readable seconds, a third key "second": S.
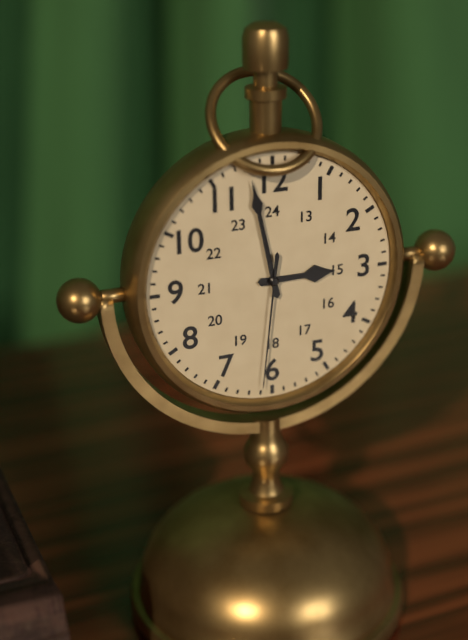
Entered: {"hour": 2, "minute": 58, "second": 31}
